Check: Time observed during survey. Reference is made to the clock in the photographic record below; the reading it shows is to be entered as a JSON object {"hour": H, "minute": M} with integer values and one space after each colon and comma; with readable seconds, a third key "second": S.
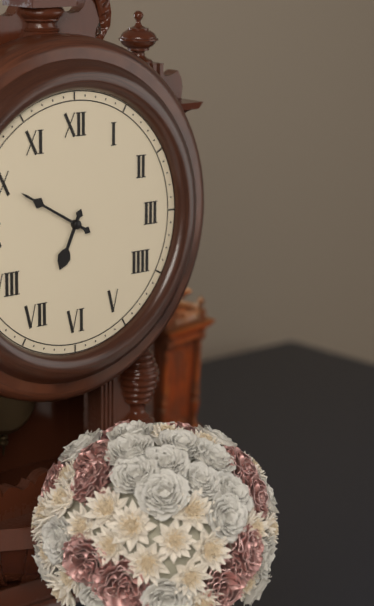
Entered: {"hour": 6, "minute": 50}
